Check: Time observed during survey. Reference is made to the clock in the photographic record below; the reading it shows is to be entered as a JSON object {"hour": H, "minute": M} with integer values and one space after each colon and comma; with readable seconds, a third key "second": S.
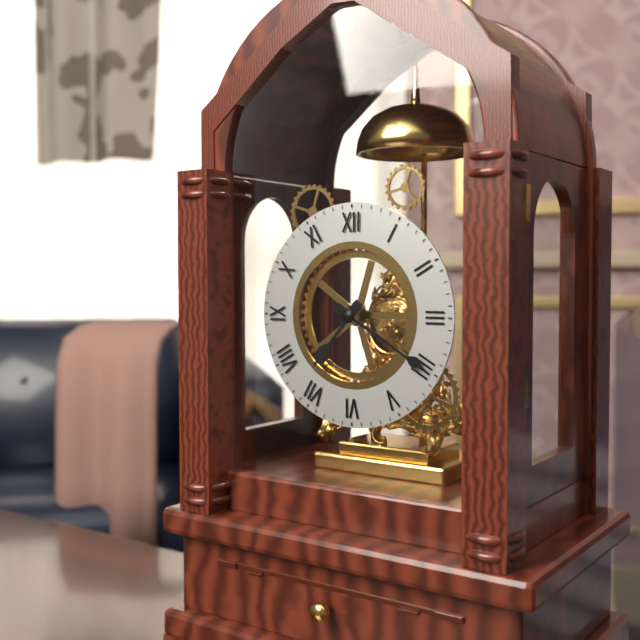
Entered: {"hour": 7, "minute": 20}
